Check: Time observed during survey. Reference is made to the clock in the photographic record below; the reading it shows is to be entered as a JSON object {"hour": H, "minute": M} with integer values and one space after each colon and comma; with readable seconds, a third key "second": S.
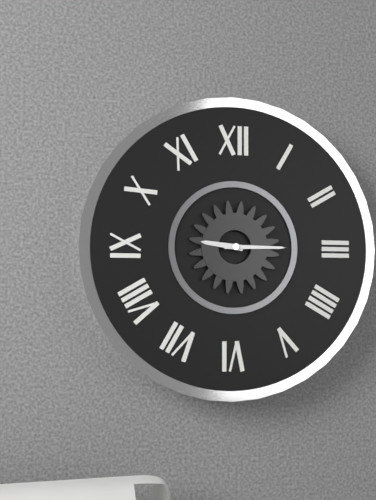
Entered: {"hour": 9, "minute": 15}
